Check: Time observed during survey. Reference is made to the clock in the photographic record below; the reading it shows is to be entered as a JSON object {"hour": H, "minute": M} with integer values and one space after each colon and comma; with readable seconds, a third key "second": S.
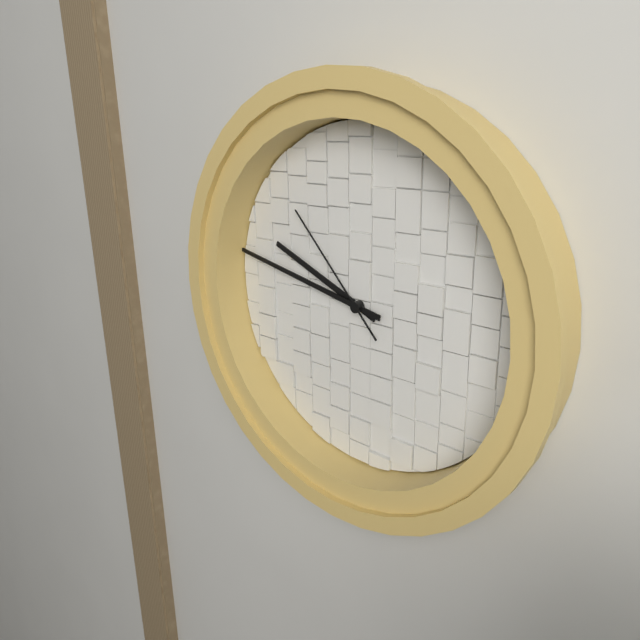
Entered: {"hour": 9, "minute": 47, "second": 53}
